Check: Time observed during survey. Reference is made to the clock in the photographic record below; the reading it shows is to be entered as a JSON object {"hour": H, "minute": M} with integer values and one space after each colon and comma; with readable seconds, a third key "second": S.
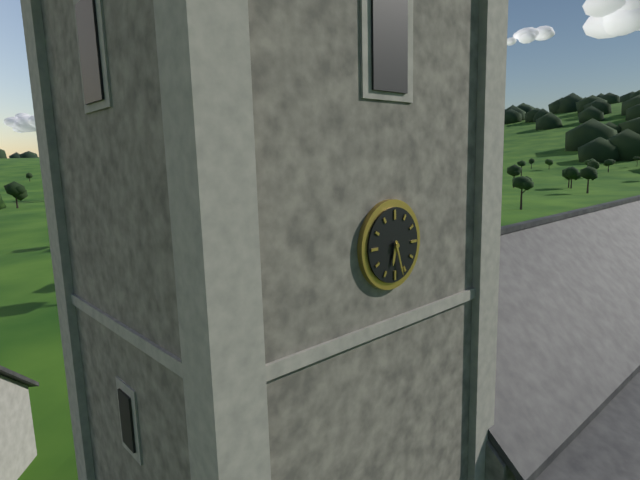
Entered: {"hour": 6, "minute": 27}
